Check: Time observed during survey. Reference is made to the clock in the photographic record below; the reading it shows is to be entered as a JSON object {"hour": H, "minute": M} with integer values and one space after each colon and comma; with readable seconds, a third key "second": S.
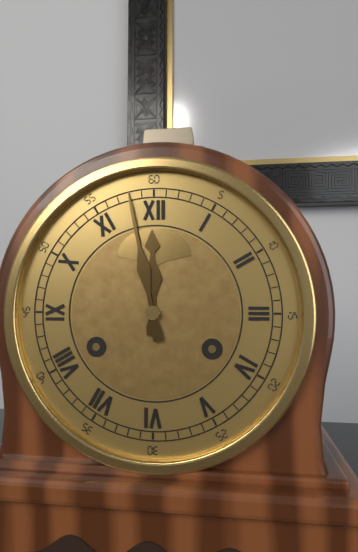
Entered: {"hour": 11, "minute": 58}
